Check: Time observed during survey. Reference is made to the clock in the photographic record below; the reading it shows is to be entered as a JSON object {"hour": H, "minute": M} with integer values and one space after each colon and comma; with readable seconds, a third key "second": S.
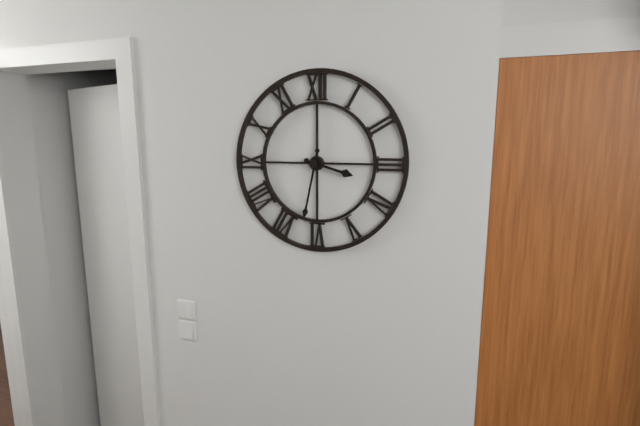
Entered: {"hour": 3, "minute": 32}
